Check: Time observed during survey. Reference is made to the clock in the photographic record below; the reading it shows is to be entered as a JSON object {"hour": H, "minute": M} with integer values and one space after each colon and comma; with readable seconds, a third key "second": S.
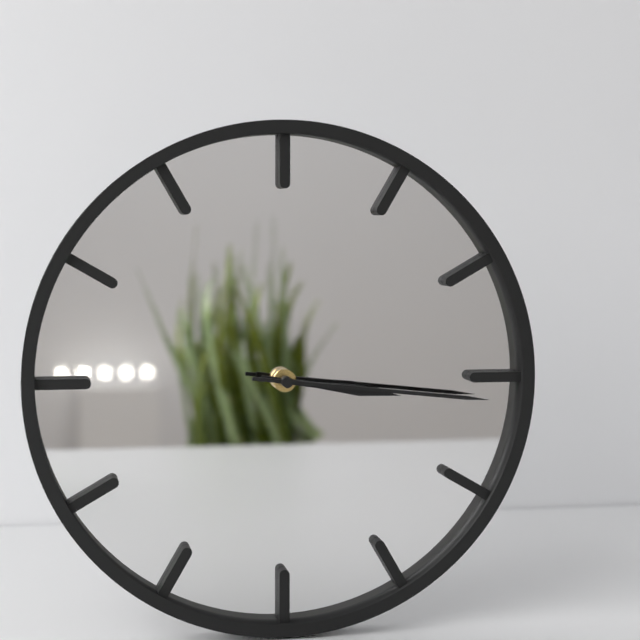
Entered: {"hour": 3, "minute": 16}
